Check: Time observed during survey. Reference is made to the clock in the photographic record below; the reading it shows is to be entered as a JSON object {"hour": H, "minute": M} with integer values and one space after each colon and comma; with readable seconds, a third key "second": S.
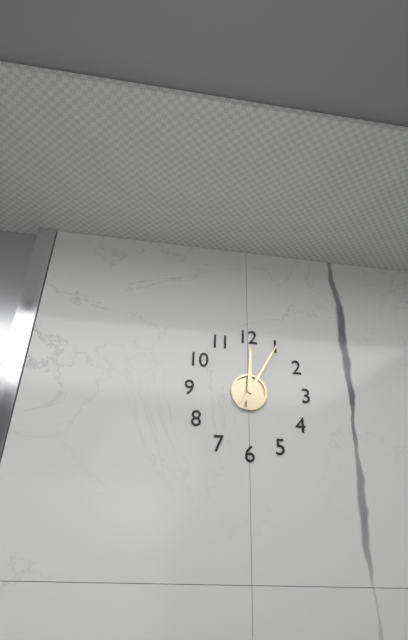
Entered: {"hour": 12, "minute": 5}
